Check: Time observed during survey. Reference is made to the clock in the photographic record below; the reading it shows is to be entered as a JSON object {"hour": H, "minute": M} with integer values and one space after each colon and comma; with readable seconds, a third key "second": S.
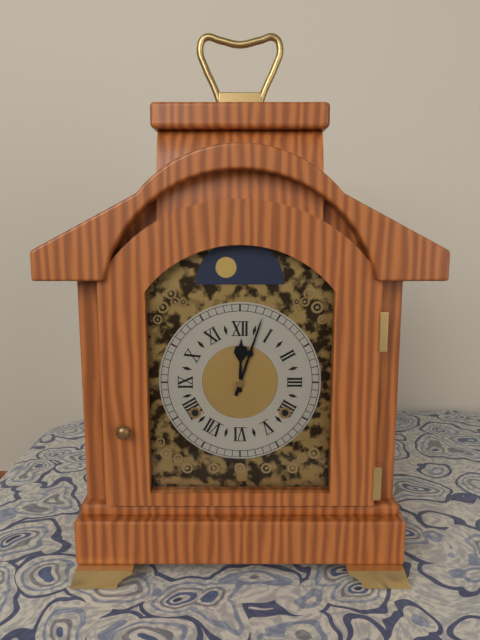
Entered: {"hour": 12, "minute": 3}
